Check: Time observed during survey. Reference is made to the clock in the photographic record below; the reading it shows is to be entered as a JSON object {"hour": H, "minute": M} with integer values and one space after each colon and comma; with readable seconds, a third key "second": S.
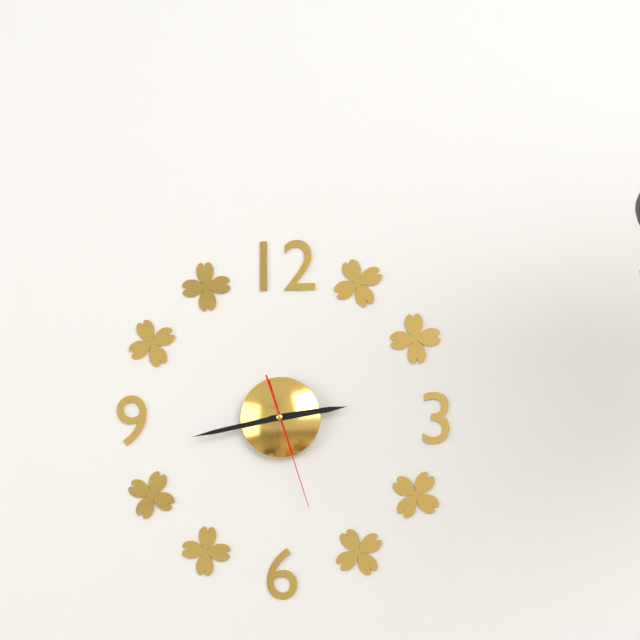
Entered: {"hour": 2, "minute": 43, "second": 27}
